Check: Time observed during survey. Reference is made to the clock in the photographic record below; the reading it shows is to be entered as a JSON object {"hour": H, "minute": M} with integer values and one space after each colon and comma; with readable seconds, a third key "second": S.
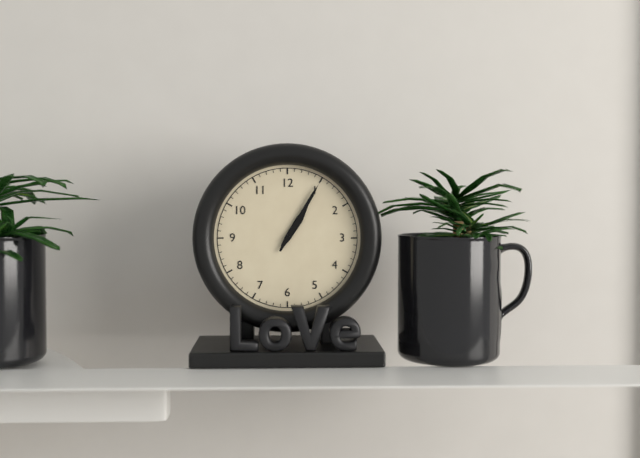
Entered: {"hour": 1, "minute": 5}
